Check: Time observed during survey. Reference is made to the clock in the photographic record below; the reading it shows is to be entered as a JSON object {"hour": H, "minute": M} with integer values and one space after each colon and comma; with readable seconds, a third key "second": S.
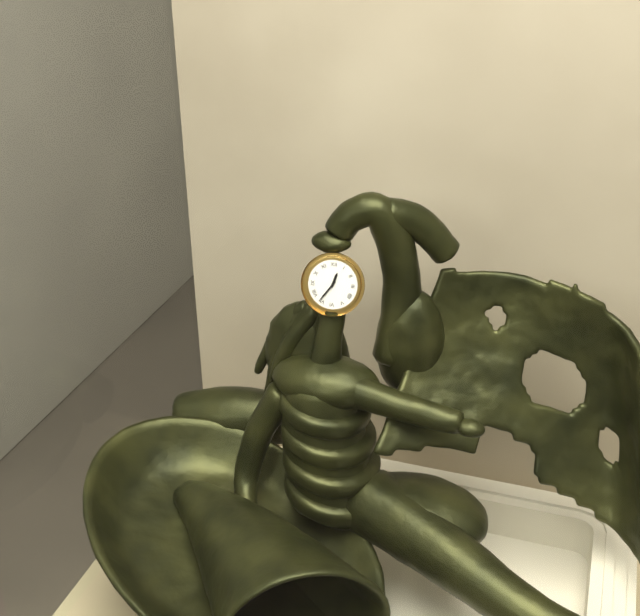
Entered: {"hour": 12, "minute": 36}
